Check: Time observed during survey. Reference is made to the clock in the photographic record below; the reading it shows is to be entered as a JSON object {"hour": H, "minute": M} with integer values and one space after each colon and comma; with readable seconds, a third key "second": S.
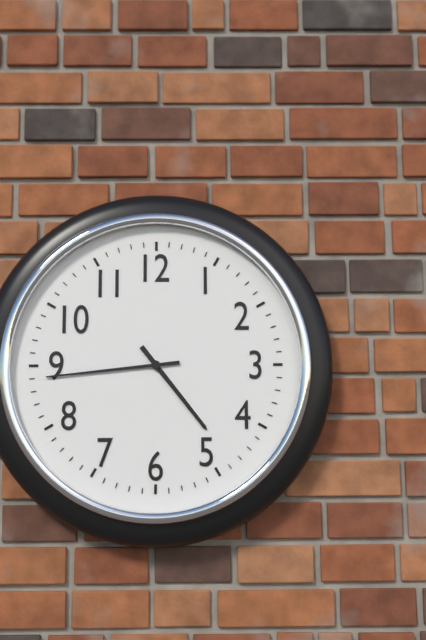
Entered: {"hour": 4, "minute": 44}
